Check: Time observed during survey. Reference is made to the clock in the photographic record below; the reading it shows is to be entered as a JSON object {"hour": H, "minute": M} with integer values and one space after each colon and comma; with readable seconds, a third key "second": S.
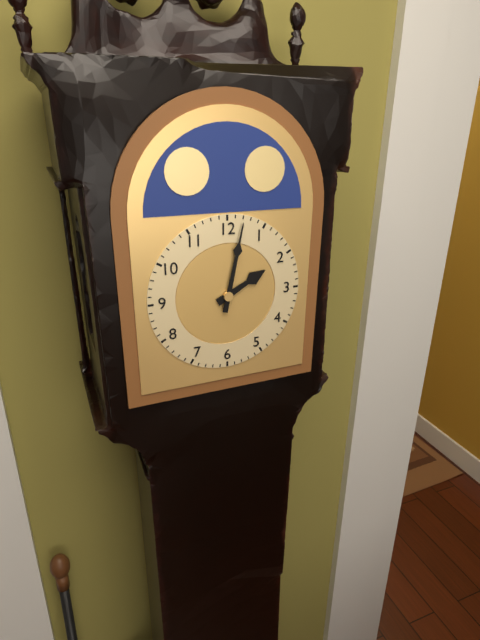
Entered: {"hour": 2, "minute": 2}
